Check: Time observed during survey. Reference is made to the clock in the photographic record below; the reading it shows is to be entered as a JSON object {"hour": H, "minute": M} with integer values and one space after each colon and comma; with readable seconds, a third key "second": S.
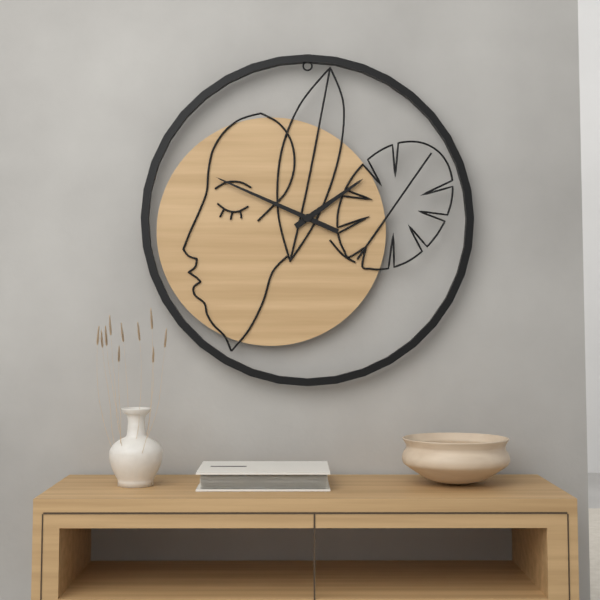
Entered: {"hour": 1, "minute": 49}
